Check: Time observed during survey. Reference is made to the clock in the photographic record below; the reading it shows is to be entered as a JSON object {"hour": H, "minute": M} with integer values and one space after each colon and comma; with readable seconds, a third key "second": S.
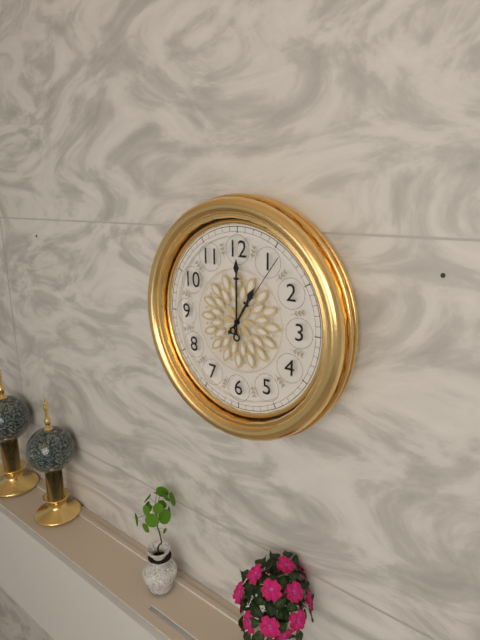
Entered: {"hour": 1, "minute": 0, "second": 6}
